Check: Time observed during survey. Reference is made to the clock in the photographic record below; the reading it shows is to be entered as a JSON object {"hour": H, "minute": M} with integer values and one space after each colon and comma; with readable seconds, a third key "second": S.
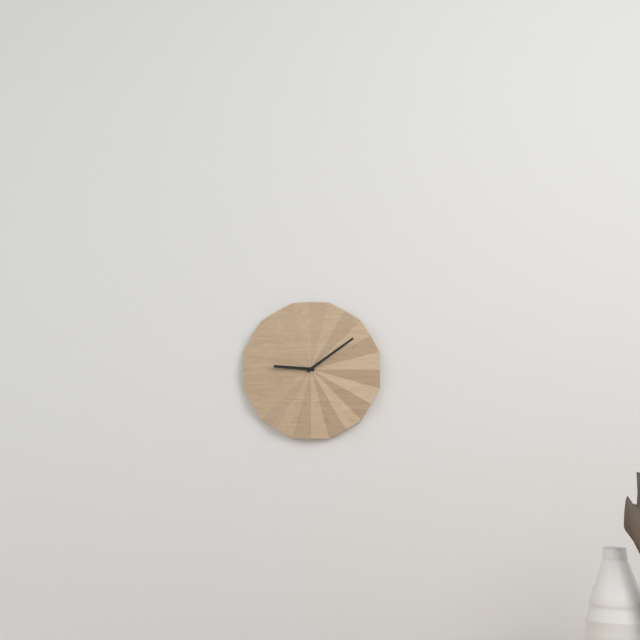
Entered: {"hour": 9, "minute": 9}
